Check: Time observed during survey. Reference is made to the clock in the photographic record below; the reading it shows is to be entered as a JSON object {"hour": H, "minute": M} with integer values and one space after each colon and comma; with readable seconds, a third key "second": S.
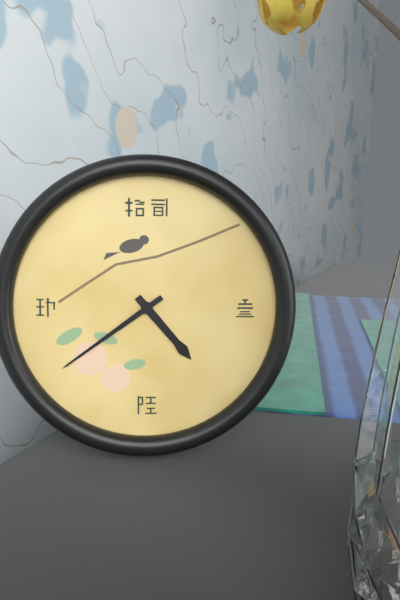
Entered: {"hour": 4, "minute": 39}
